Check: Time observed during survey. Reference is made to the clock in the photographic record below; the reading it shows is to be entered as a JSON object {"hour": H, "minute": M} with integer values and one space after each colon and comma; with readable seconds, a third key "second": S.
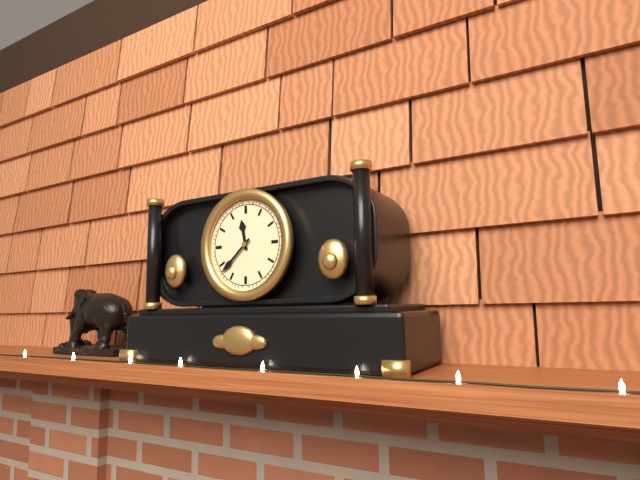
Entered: {"hour": 11, "minute": 38}
